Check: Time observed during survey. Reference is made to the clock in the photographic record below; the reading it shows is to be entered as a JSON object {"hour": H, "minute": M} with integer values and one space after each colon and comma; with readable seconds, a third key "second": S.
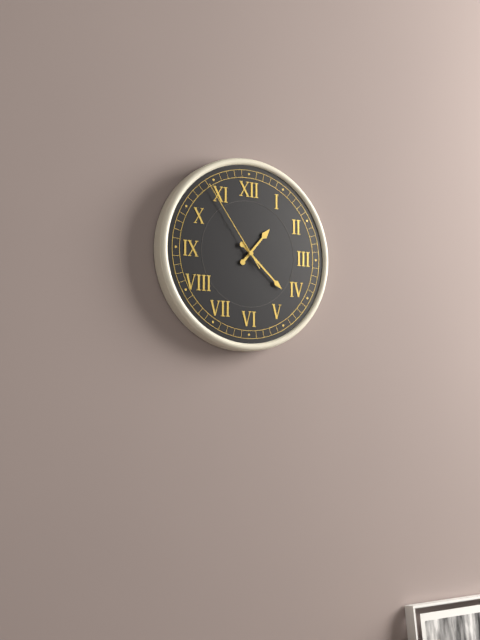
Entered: {"hour": 1, "minute": 22, "second": 54}
